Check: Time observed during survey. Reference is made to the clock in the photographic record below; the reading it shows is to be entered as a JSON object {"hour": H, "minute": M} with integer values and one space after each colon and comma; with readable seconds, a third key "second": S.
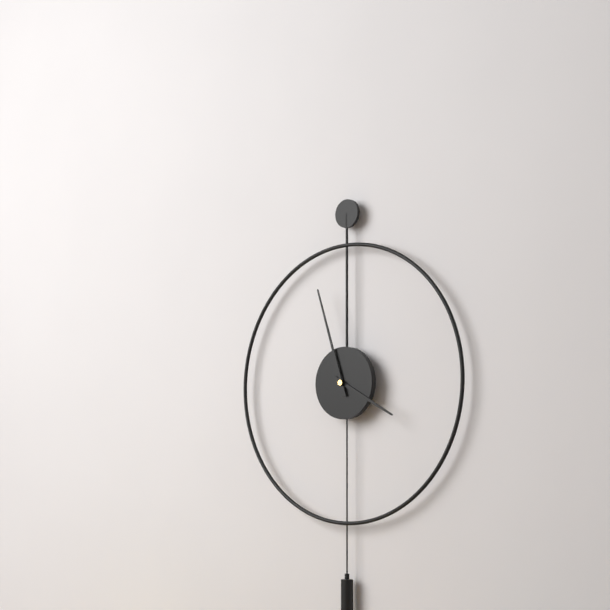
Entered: {"hour": 3, "minute": 57}
